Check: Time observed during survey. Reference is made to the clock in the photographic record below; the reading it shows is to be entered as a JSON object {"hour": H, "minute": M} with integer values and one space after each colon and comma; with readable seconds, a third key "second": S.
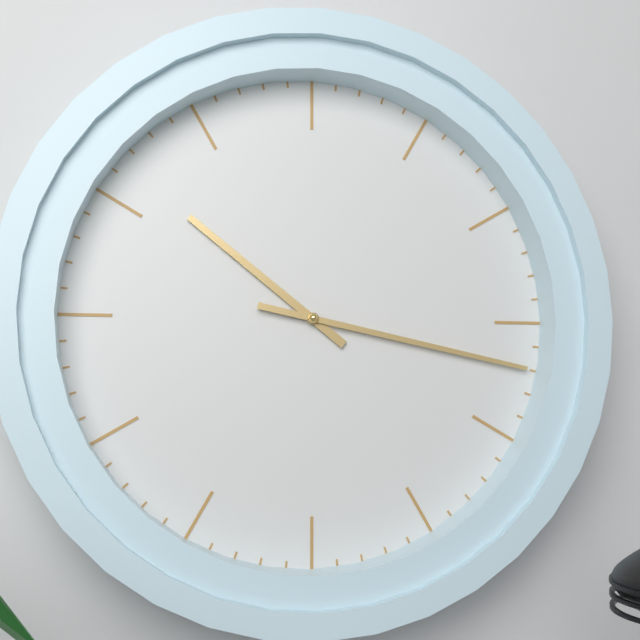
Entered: {"hour": 10, "minute": 17}
